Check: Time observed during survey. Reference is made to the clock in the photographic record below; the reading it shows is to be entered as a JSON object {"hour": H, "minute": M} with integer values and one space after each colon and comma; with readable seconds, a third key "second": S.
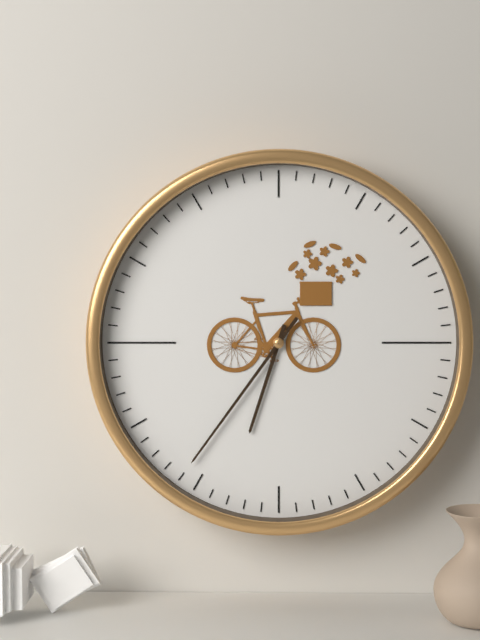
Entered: {"hour": 6, "minute": 36}
